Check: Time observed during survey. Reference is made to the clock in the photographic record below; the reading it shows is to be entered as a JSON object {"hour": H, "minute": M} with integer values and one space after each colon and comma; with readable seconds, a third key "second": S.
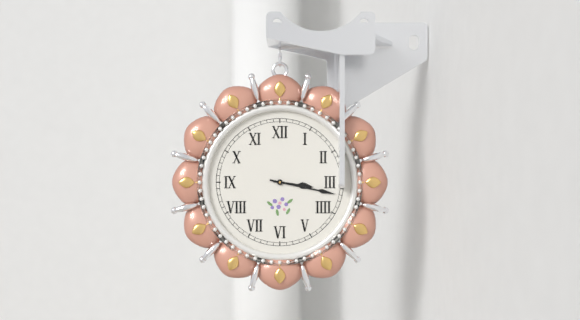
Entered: {"hour": 3, "minute": 17}
